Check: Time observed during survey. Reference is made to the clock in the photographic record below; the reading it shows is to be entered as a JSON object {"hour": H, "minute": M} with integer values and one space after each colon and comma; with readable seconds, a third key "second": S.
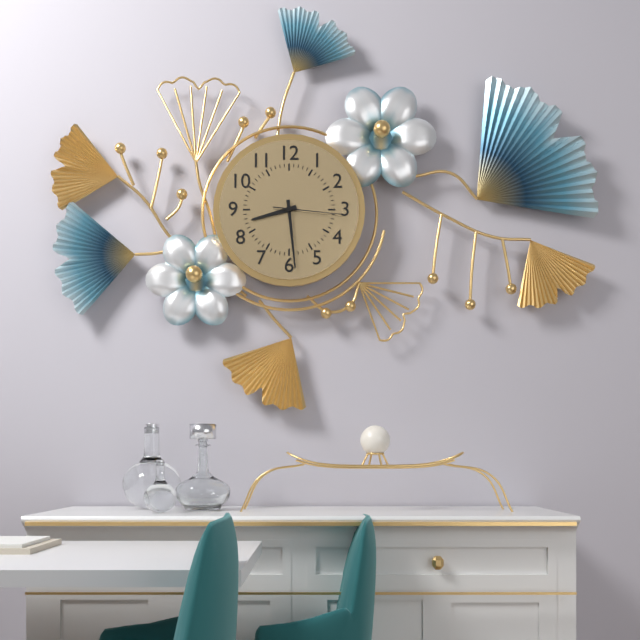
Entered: {"hour": 8, "minute": 29, "second": 16}
